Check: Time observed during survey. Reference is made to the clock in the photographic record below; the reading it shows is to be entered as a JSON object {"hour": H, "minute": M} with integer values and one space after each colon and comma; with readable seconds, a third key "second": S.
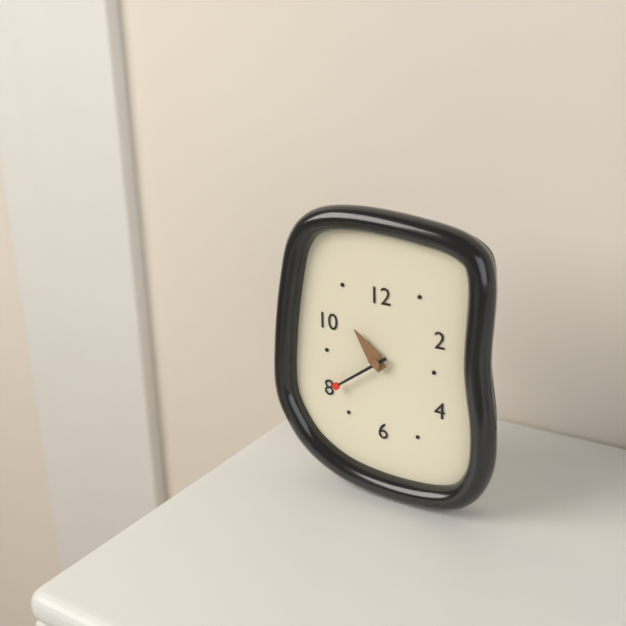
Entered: {"hour": 10, "minute": 39}
